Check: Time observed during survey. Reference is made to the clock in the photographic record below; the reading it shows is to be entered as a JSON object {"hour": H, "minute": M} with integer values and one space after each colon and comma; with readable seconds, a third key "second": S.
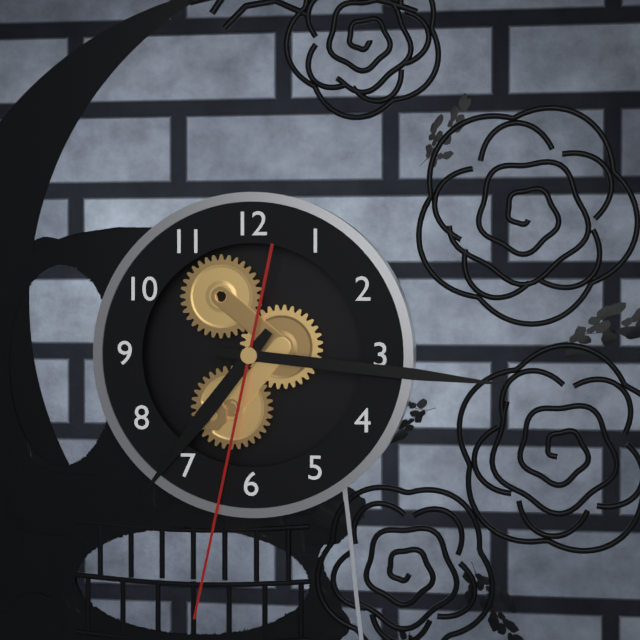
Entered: {"hour": 7, "minute": 16, "second": 32}
